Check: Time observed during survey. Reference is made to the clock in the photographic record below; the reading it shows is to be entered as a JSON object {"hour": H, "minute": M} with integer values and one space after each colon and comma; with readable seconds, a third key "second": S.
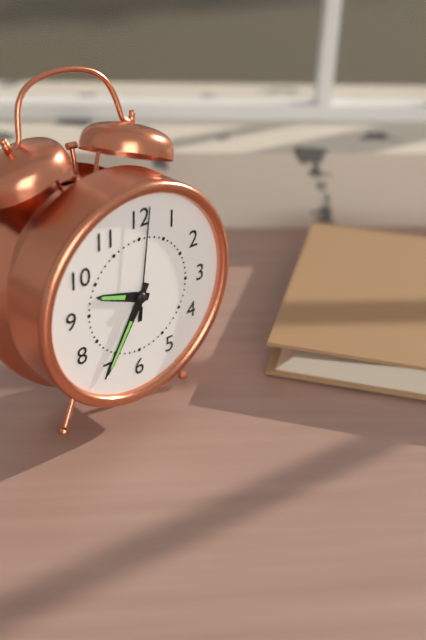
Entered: {"hour": 9, "minute": 35, "second": 1}
